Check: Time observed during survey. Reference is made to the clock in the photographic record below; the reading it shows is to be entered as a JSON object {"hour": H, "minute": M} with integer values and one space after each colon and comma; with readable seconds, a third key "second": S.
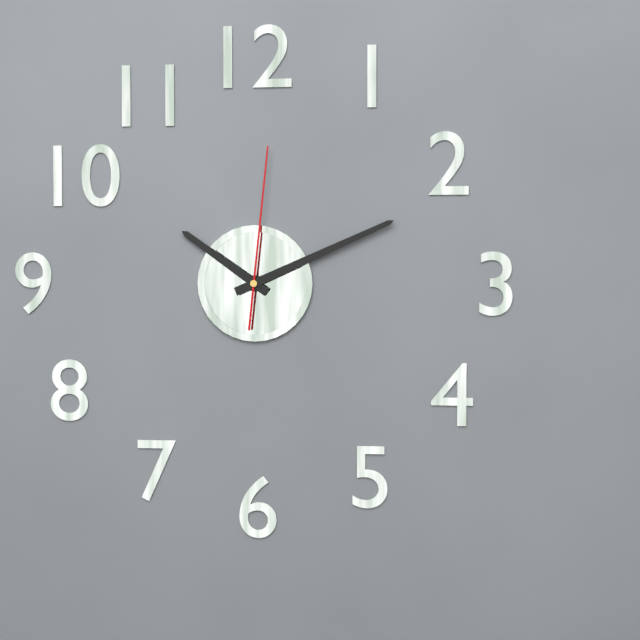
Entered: {"hour": 10, "minute": 11, "second": 1}
